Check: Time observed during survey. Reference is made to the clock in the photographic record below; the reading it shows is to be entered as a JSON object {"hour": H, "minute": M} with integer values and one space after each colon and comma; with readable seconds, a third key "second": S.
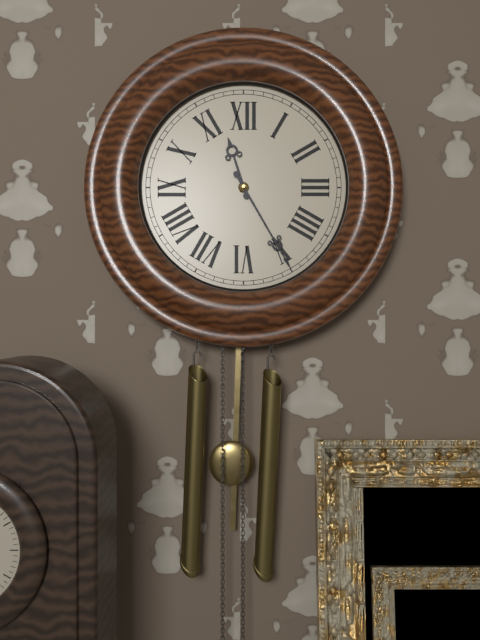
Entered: {"hour": 11, "minute": 25}
